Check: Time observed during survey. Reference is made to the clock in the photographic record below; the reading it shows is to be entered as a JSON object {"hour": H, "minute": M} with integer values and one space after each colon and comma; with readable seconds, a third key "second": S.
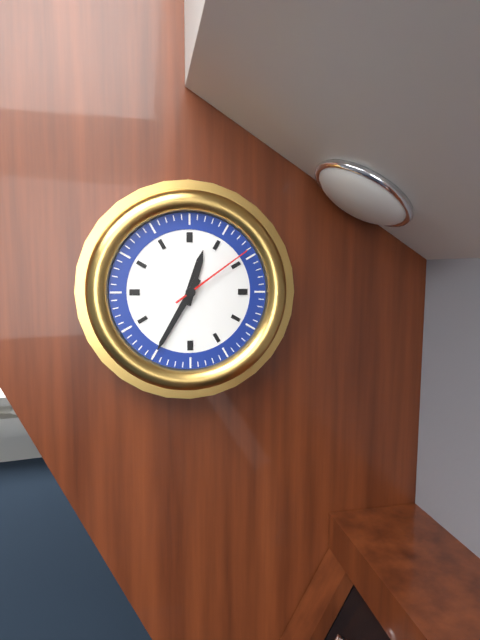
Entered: {"hour": 12, "minute": 35, "second": 9}
